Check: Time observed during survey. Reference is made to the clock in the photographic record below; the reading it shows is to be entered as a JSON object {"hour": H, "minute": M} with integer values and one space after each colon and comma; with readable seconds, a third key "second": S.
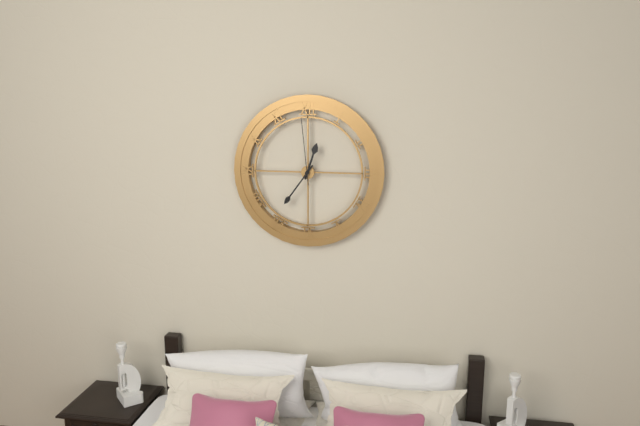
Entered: {"hour": 12, "minute": 36, "second": 59}
